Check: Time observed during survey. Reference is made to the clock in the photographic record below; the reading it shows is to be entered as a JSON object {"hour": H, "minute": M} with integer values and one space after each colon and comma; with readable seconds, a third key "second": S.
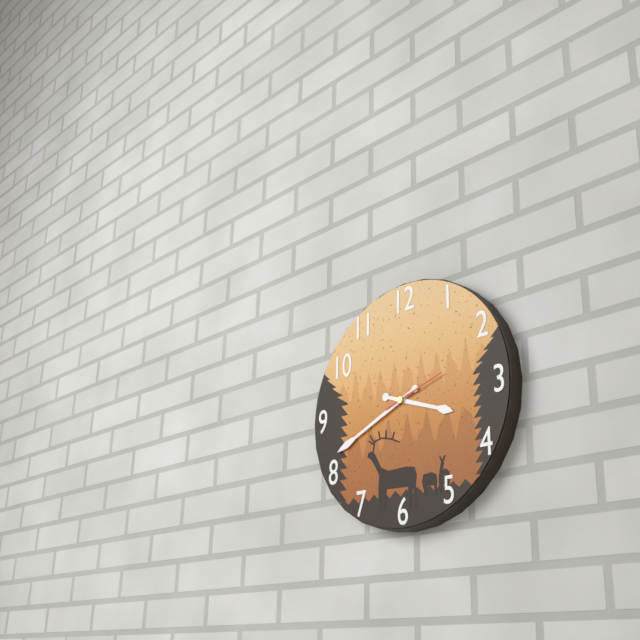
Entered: {"hour": 3, "minute": 41, "second": 12}
